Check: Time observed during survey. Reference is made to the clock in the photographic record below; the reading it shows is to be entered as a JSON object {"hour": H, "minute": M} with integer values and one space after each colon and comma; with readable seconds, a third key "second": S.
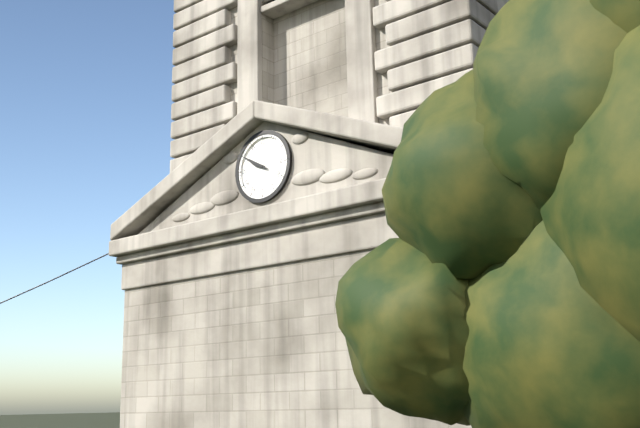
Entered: {"hour": 9, "minute": 50}
